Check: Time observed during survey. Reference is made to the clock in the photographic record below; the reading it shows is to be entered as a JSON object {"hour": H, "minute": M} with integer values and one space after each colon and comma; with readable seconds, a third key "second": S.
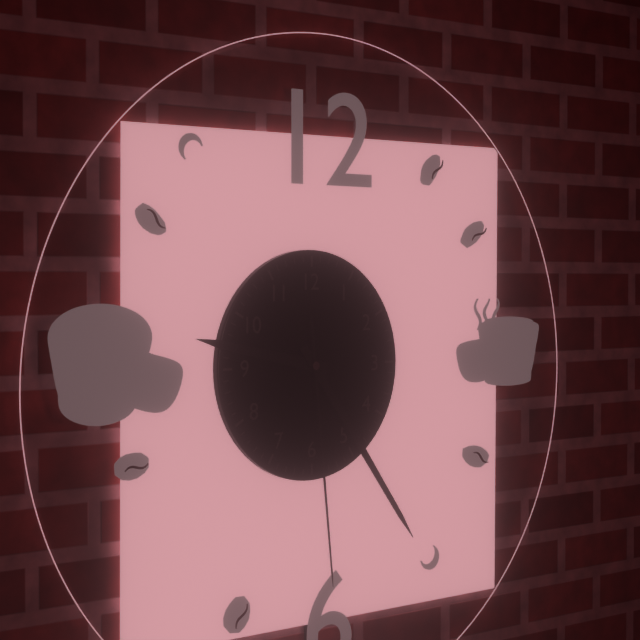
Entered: {"hour": 9, "minute": 24, "second": 29}
